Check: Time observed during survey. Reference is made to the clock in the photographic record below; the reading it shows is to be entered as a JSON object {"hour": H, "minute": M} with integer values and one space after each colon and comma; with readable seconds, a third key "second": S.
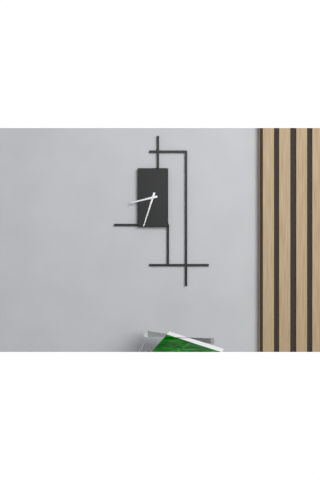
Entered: {"hour": 8, "minute": 33}
